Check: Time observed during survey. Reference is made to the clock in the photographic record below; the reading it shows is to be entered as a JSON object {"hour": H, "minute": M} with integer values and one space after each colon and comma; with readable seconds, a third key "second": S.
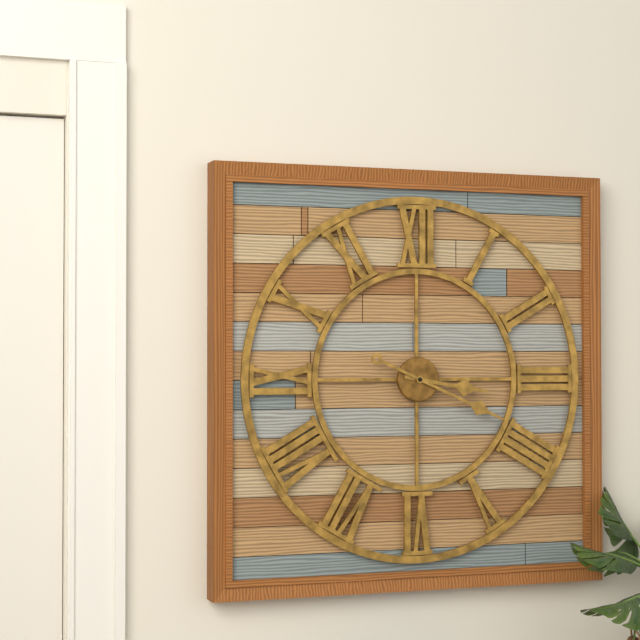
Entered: {"hour": 3, "minute": 19}
